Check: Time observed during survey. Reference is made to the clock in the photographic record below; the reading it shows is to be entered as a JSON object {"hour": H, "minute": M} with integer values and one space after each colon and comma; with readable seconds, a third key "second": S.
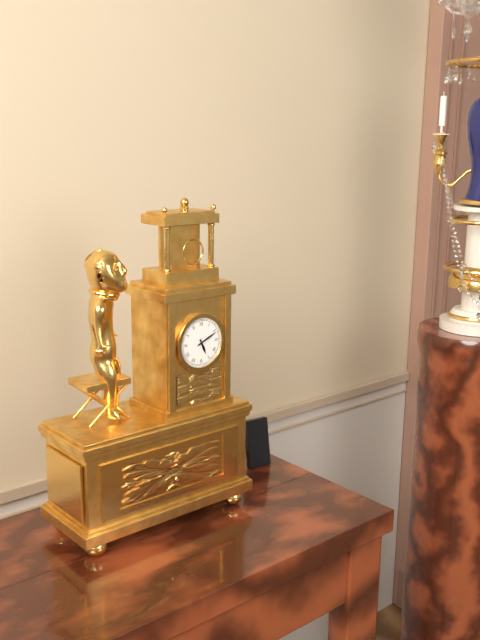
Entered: {"hour": 5, "minute": 11}
